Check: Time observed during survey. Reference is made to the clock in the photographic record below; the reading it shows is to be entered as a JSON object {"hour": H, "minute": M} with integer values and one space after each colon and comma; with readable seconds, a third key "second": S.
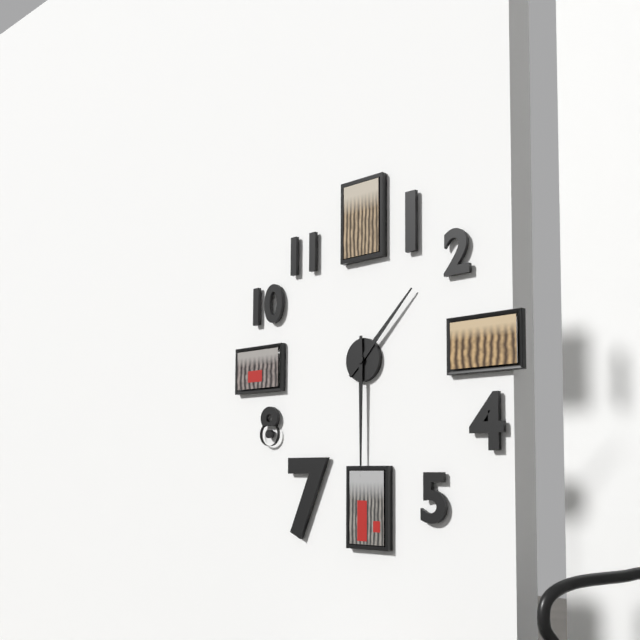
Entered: {"hour": 1, "minute": 30}
